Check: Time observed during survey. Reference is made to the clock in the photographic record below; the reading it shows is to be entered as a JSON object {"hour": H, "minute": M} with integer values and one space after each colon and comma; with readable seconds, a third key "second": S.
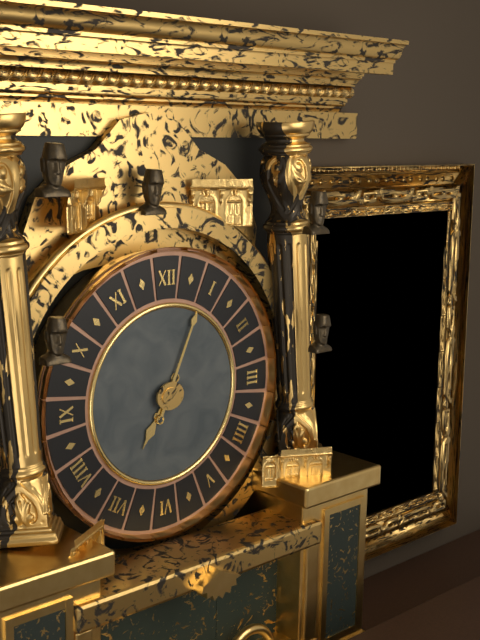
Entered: {"hour": 7, "minute": 4}
